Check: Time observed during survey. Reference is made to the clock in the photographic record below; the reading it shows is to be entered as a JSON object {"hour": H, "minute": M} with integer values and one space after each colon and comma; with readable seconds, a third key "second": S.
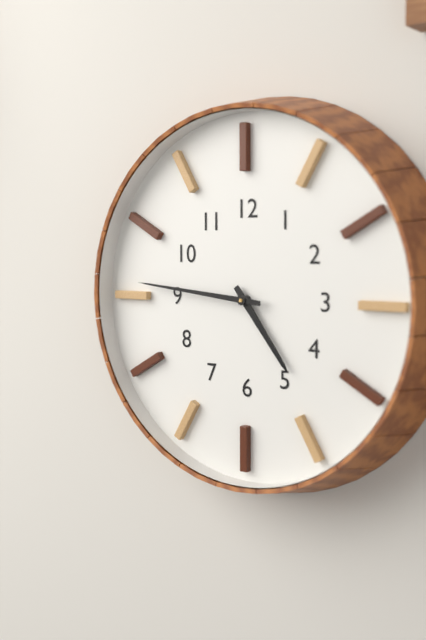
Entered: {"hour": 4, "minute": 46}
